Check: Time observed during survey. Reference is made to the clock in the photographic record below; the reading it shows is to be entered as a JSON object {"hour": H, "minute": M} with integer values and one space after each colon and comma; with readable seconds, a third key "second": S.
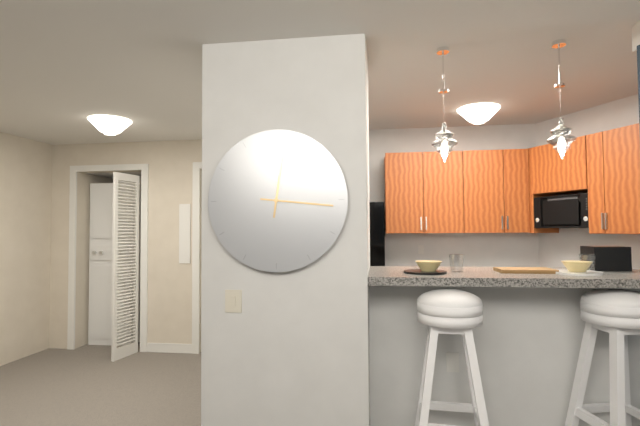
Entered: {"hour": 12, "minute": 16}
